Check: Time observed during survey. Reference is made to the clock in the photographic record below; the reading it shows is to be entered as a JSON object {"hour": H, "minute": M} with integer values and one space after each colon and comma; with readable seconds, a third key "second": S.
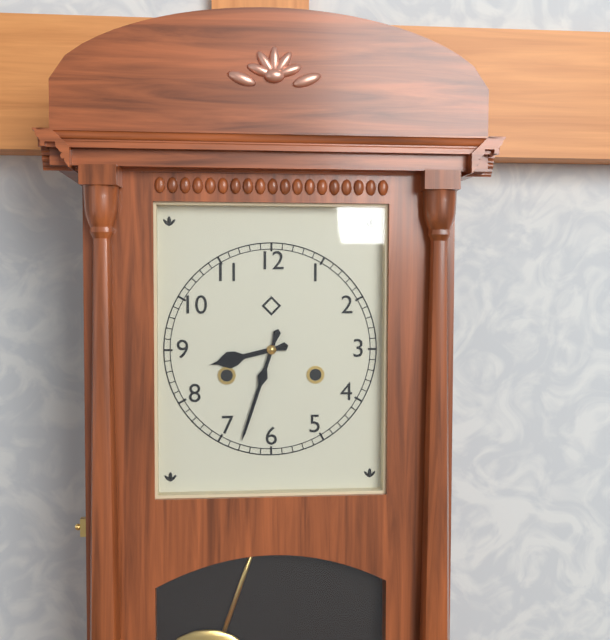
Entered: {"hour": 8, "minute": 33}
